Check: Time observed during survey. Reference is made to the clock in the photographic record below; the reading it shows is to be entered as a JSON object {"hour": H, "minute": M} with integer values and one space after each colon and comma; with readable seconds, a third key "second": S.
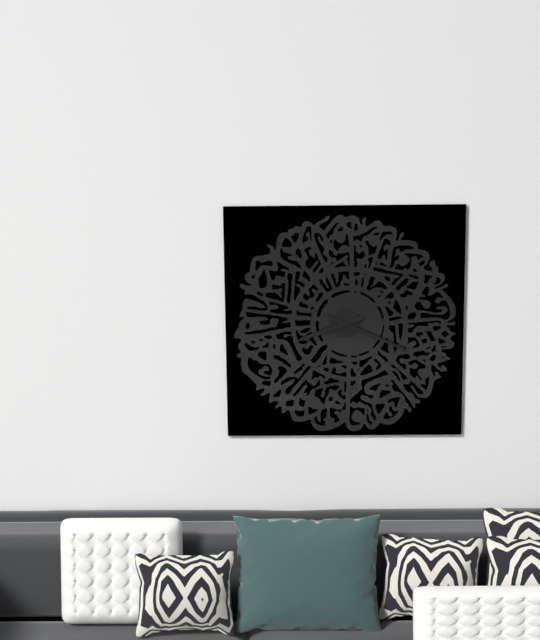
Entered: {"hour": 8, "minute": 19}
